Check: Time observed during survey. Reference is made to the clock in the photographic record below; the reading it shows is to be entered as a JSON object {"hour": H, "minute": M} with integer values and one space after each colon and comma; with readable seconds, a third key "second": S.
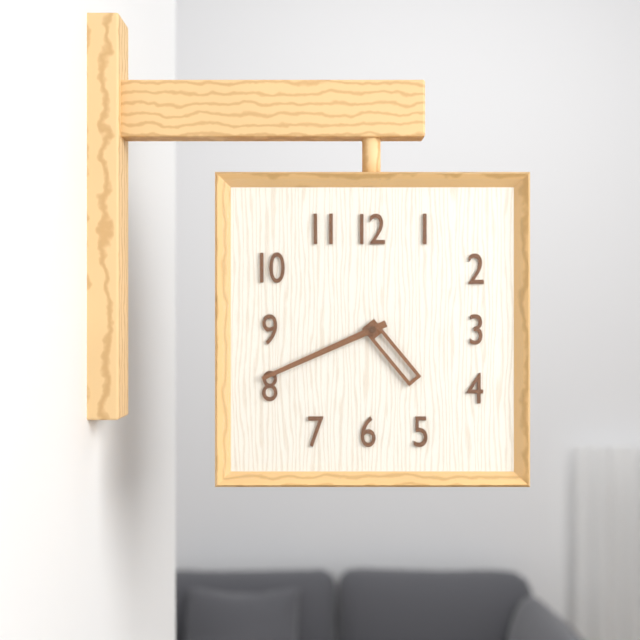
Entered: {"hour": 4, "minute": 41}
